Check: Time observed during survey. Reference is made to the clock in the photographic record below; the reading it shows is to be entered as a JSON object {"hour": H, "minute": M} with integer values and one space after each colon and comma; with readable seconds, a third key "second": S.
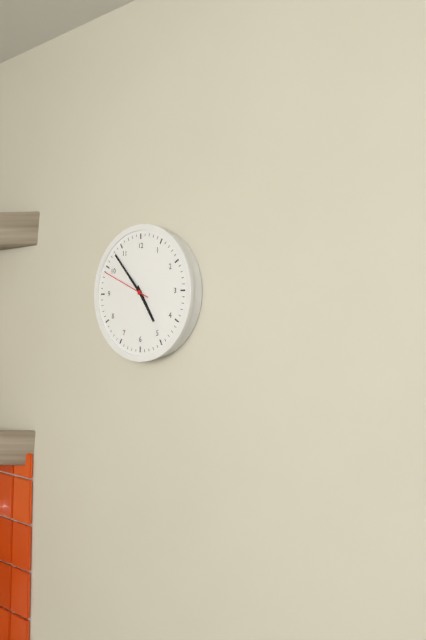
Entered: {"hour": 4, "minute": 53, "second": 49}
